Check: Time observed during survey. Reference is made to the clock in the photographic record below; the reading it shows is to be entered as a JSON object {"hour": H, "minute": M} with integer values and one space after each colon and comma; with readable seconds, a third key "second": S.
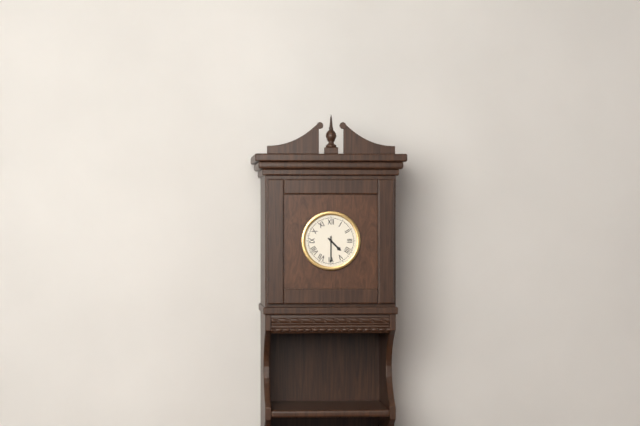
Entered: {"hour": 4, "minute": 30}
